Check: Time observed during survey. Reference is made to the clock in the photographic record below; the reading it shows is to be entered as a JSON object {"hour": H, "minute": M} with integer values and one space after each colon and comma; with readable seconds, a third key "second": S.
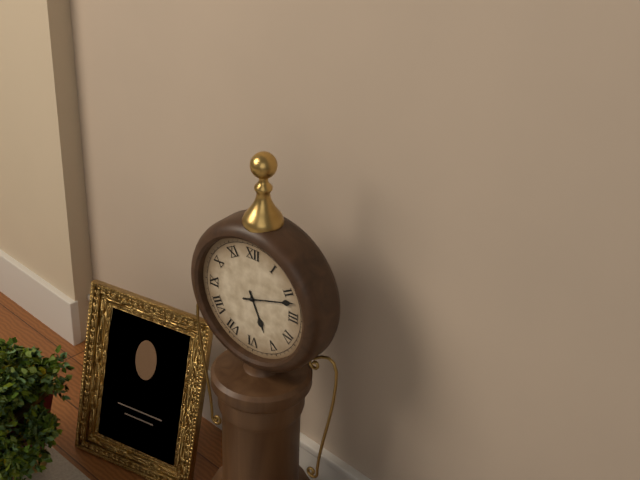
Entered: {"hour": 5, "minute": 12}
